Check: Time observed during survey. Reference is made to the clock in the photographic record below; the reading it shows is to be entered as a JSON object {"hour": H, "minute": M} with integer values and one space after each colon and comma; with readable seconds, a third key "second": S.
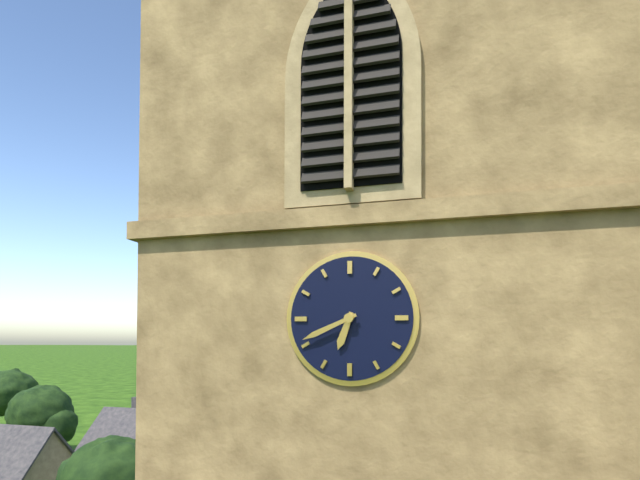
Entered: {"hour": 6, "minute": 41}
